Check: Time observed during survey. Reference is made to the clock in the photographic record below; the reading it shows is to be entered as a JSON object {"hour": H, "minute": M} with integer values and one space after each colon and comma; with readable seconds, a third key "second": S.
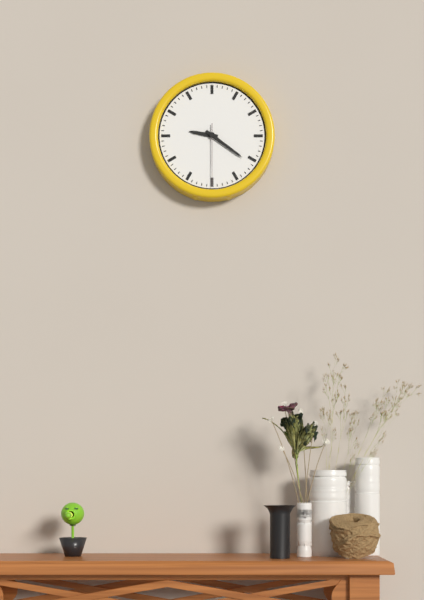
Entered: {"hour": 9, "minute": 21, "second": 30}
